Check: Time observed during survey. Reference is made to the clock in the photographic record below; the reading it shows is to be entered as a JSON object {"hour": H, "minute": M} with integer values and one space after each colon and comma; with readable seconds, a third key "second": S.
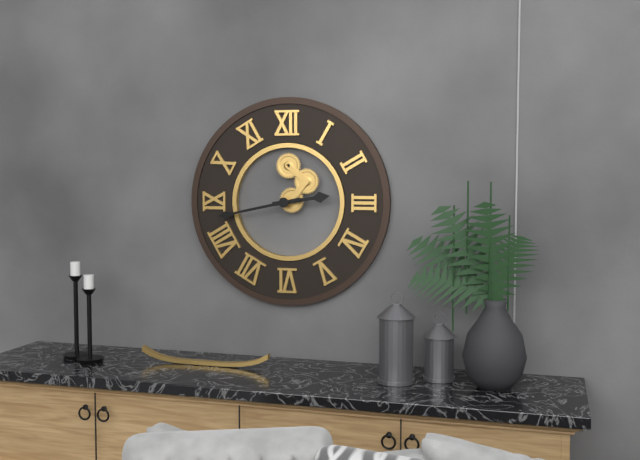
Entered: {"hour": 2, "minute": 43}
